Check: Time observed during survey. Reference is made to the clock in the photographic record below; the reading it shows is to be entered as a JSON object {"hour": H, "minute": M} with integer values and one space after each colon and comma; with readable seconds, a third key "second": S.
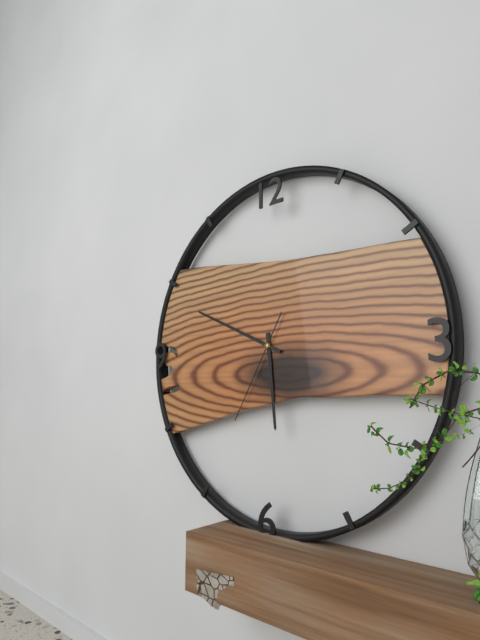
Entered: {"hour": 5, "minute": 49, "second": 35}
